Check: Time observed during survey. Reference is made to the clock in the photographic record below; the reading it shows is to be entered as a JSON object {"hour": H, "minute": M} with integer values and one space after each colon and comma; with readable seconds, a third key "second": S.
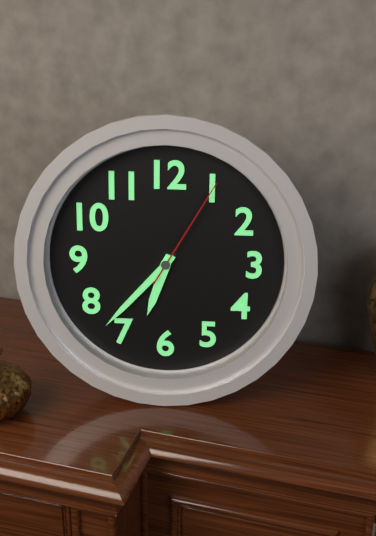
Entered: {"hour": 6, "minute": 37, "second": 5}
